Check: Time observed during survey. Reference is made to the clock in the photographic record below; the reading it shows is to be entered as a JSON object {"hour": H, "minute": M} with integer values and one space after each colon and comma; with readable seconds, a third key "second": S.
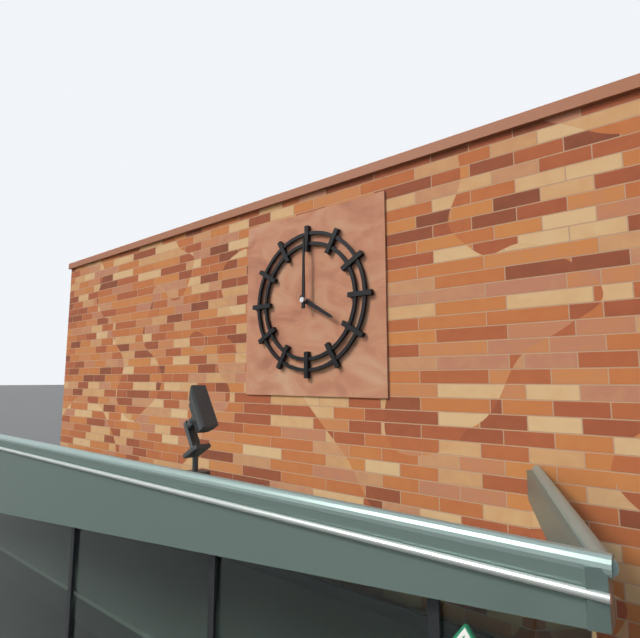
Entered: {"hour": 4, "minute": 0}
